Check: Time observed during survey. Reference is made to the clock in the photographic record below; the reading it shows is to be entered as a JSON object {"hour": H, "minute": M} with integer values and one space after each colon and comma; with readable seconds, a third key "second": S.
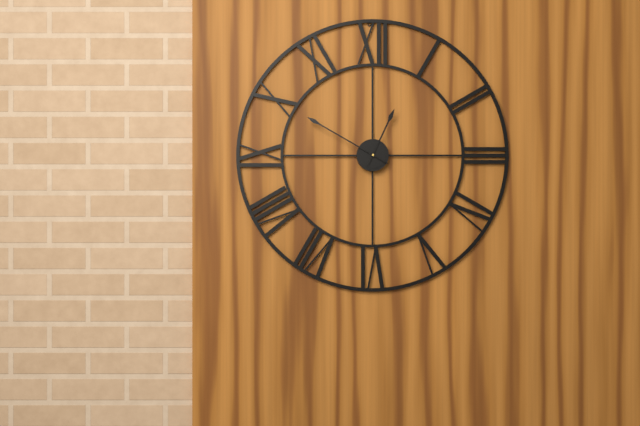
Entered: {"hour": 12, "minute": 50}
